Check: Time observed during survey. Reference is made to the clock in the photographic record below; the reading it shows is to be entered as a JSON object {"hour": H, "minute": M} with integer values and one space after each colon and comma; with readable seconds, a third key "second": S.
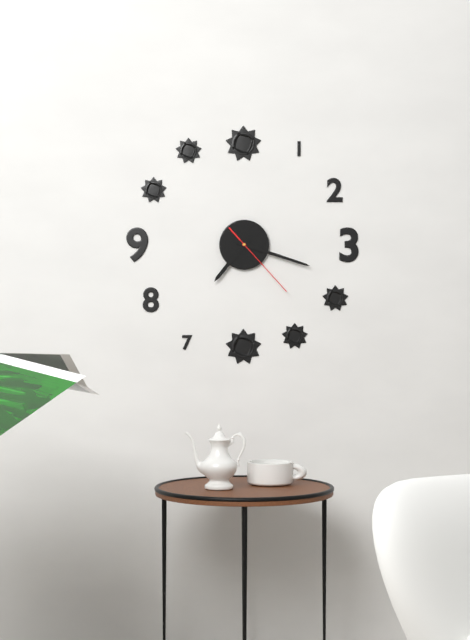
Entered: {"hour": 7, "minute": 18, "second": 23}
